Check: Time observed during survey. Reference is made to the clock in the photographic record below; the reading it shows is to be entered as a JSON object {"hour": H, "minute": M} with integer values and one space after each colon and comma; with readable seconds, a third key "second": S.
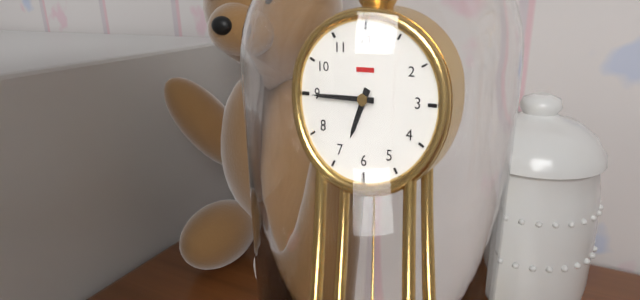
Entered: {"hour": 6, "minute": 45}
